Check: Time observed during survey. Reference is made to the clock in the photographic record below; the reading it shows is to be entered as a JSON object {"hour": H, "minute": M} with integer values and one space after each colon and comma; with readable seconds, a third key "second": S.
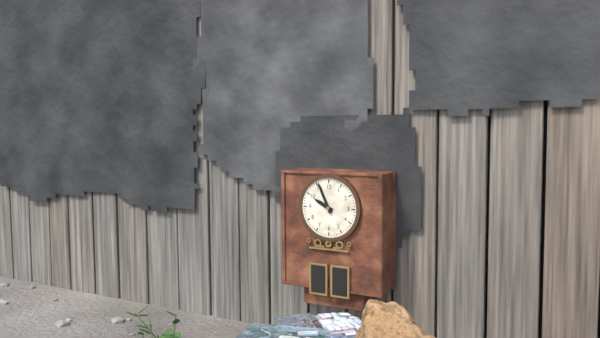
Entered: {"hour": 9, "minute": 56}
